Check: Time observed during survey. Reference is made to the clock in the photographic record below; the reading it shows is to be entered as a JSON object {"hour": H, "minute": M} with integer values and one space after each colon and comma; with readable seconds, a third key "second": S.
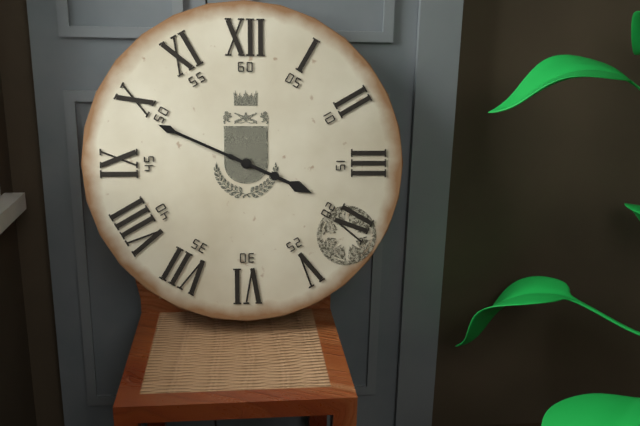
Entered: {"hour": 3, "minute": 49}
